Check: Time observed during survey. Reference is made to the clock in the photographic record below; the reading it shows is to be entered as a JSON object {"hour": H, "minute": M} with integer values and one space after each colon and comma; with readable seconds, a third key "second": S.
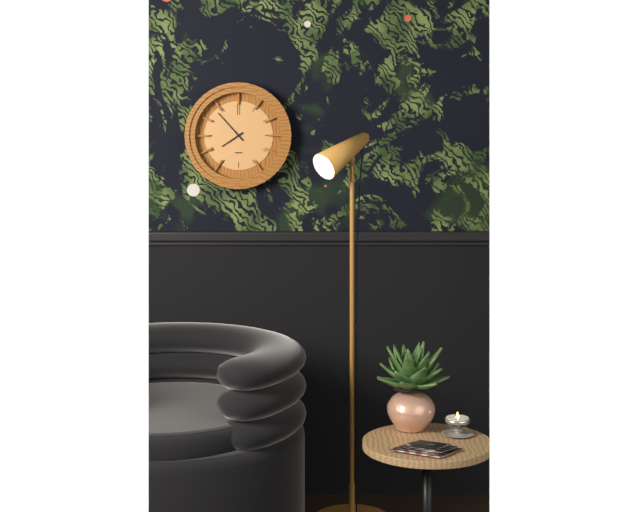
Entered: {"hour": 7, "minute": 53}
